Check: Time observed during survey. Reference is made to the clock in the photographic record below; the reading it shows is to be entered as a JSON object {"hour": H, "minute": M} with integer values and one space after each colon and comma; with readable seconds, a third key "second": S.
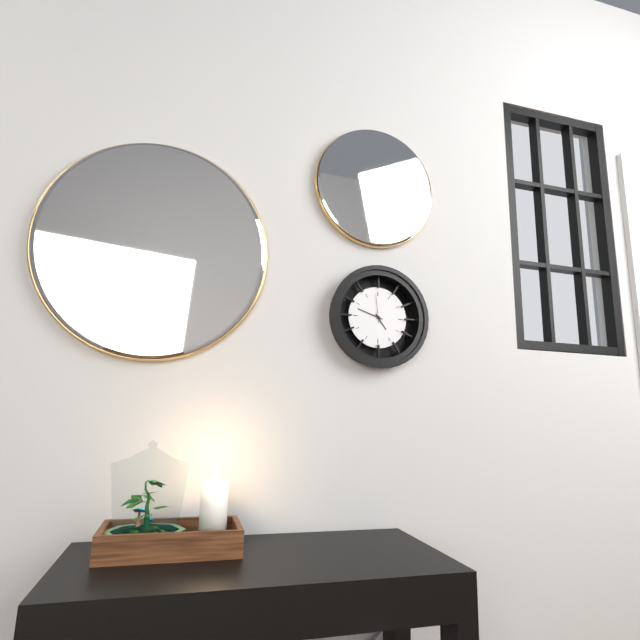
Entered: {"hour": 4, "minute": 48}
